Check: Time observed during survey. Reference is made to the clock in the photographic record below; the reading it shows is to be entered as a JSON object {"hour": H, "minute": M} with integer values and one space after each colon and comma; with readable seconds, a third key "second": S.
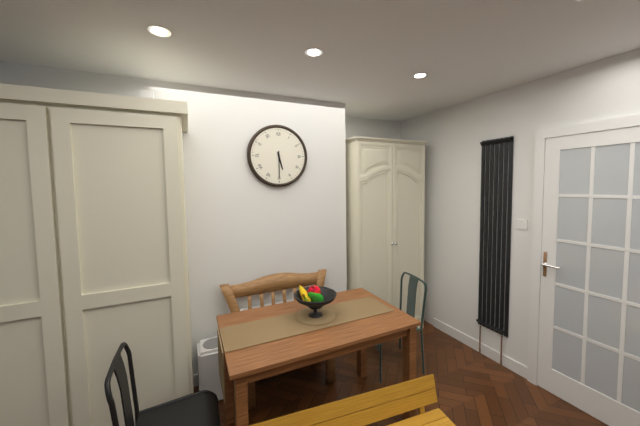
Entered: {"hour": 5, "minute": 30}
